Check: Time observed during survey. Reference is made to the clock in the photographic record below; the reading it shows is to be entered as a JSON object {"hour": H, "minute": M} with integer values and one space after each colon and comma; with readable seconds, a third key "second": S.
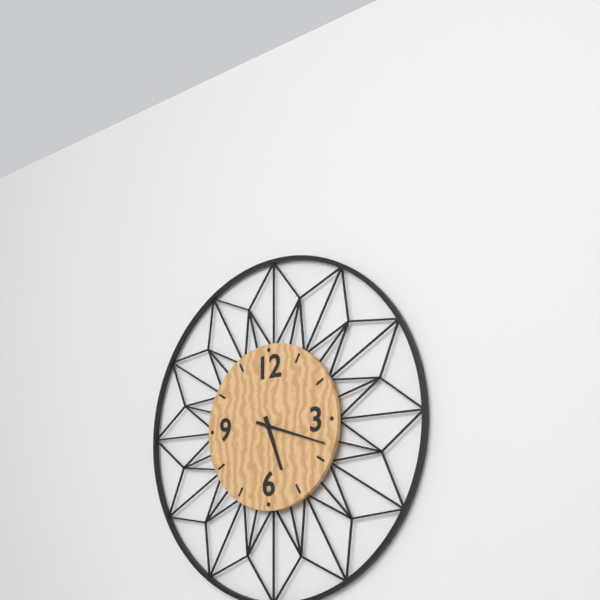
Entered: {"hour": 5, "minute": 18}
